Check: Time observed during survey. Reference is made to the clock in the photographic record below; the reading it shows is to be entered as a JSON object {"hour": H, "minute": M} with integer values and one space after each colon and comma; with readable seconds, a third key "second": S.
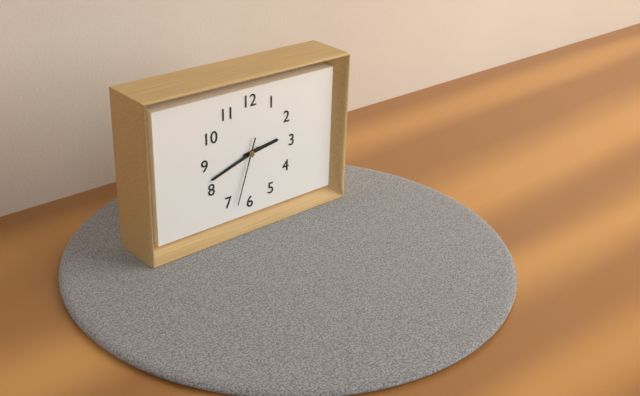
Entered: {"hour": 2, "minute": 42, "second": 33}
